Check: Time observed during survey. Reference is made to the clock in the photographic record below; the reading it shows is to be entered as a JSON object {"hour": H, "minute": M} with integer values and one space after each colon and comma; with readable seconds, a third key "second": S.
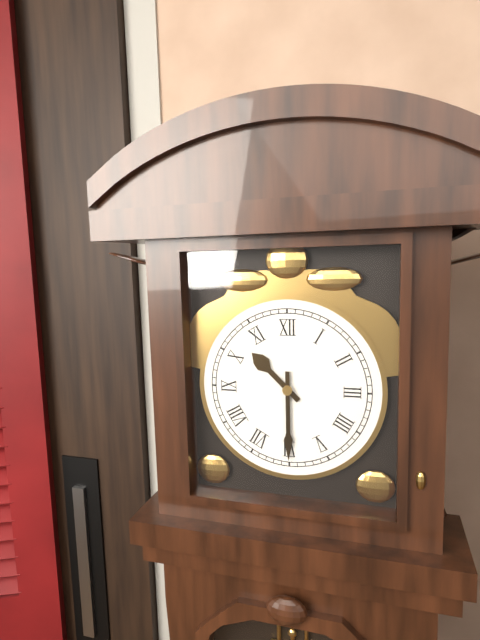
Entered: {"hour": 10, "minute": 30}
